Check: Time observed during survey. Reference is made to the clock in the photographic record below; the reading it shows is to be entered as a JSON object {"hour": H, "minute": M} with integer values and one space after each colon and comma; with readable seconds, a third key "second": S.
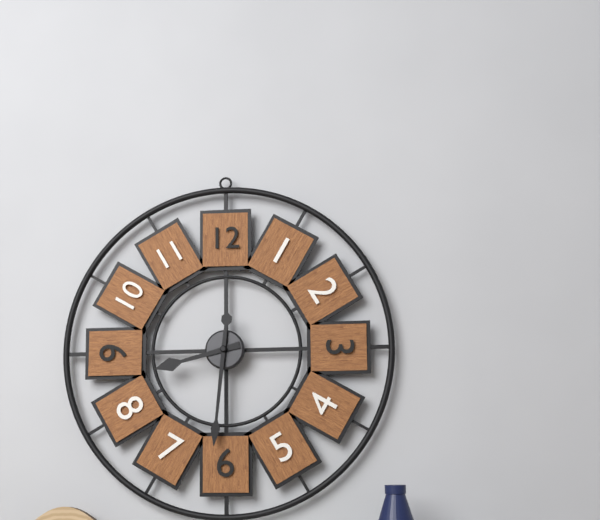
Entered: {"hour": 8, "minute": 31}
